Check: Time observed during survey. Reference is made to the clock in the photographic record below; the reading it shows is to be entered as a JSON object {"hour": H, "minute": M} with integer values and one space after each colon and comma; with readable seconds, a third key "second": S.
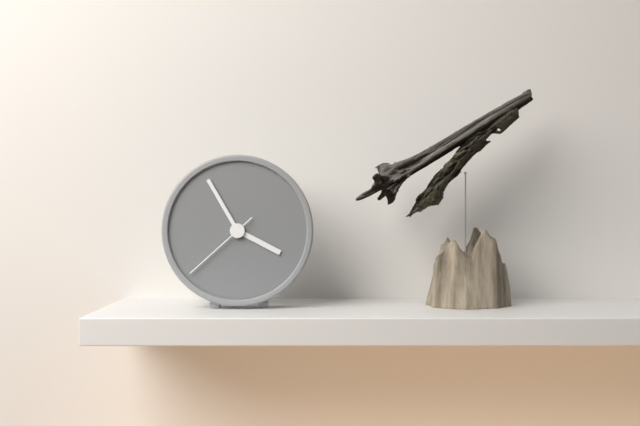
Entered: {"hour": 3, "minute": 55, "second": 38}
